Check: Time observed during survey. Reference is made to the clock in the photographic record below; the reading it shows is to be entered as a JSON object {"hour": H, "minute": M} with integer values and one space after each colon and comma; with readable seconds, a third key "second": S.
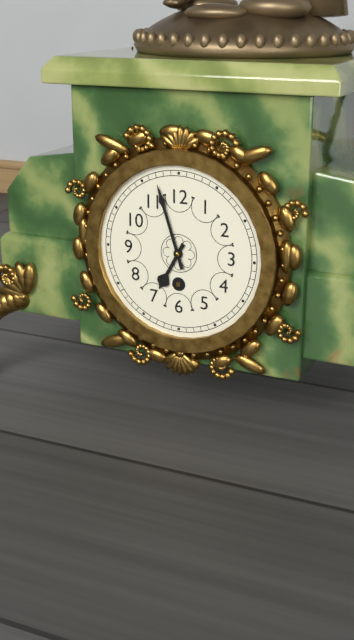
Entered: {"hour": 6, "minute": 57}
